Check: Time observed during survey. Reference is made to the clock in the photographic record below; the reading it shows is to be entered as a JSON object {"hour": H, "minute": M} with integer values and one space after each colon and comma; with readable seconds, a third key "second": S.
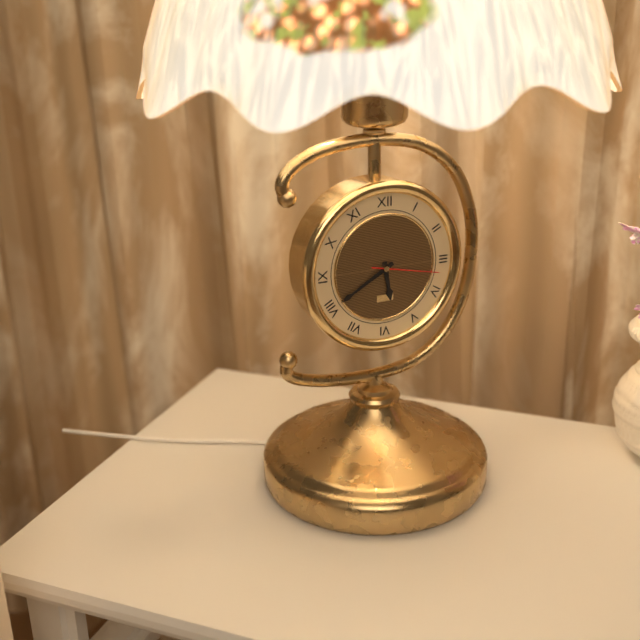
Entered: {"hour": 5, "minute": 40, "second": 17}
